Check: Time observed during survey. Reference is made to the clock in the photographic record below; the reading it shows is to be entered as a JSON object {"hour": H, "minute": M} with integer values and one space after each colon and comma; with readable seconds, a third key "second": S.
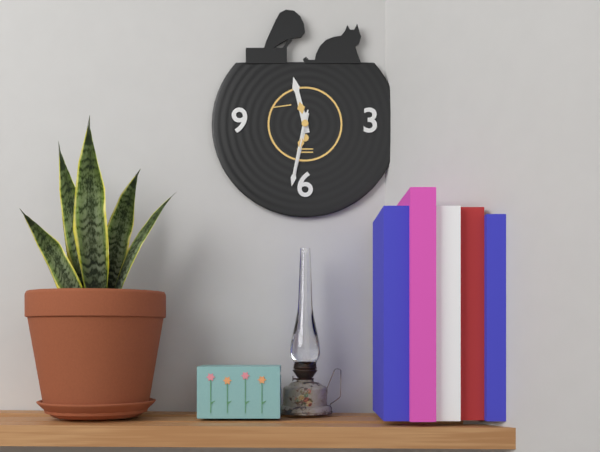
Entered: {"hour": 11, "minute": 32, "second": 32}
